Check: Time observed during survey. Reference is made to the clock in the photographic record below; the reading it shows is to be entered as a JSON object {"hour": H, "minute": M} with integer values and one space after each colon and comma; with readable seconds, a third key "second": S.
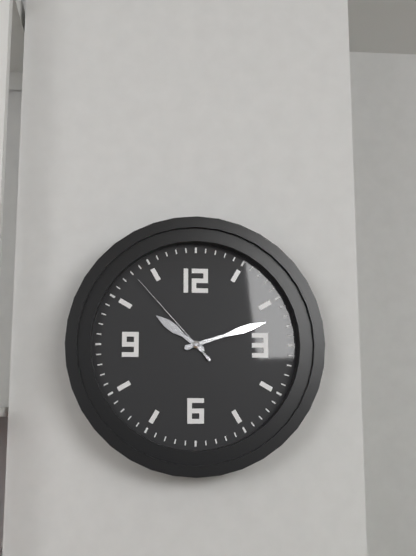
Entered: {"hour": 10, "minute": 12, "second": 53}
